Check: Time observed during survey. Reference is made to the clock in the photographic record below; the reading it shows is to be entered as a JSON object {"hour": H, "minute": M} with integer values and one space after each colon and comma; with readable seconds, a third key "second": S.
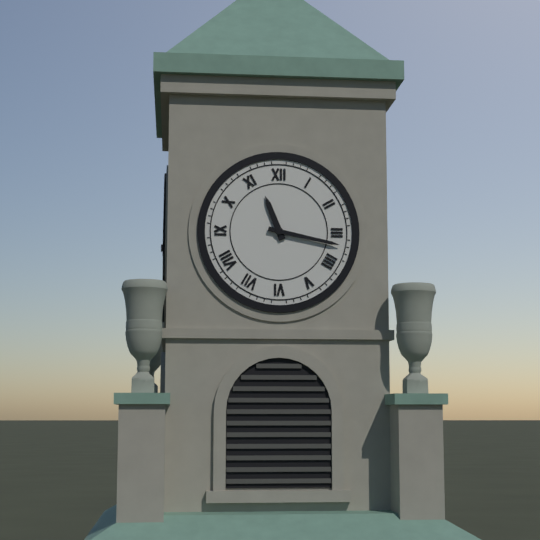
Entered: {"hour": 11, "minute": 17}
